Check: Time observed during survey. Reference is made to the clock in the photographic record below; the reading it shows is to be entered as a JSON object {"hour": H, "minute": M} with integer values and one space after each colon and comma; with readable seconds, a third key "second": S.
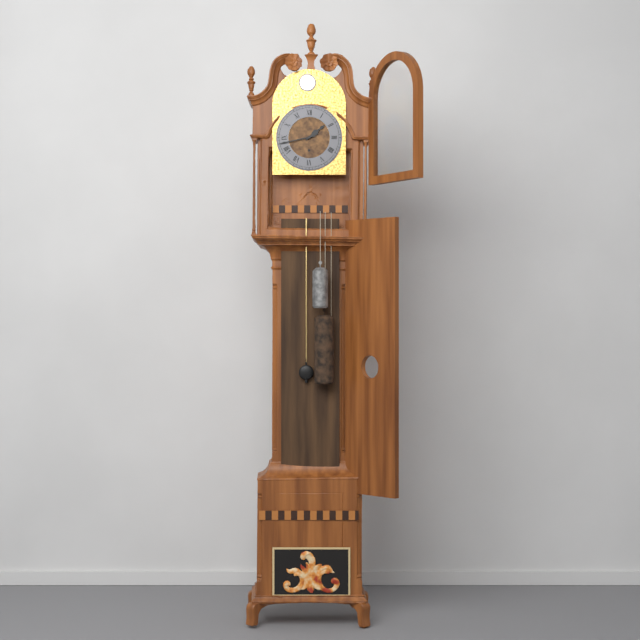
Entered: {"hour": 1, "minute": 43}
